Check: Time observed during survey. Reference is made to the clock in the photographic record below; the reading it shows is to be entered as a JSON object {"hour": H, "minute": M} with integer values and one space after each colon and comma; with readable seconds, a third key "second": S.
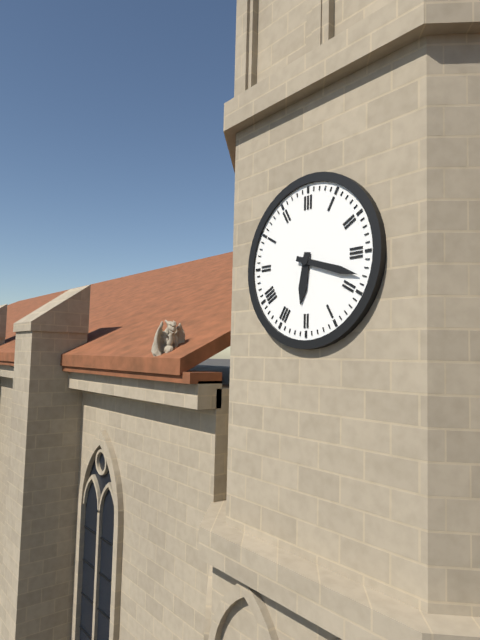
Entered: {"hour": 6, "minute": 18}
